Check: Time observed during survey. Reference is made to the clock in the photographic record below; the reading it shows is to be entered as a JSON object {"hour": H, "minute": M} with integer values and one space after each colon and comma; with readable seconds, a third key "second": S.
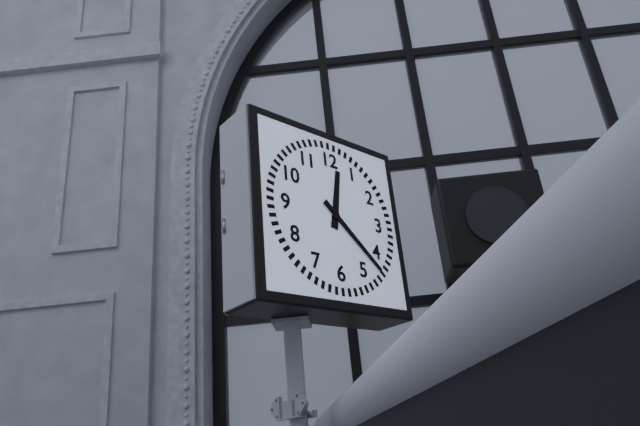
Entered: {"hour": 12, "minute": 22}
